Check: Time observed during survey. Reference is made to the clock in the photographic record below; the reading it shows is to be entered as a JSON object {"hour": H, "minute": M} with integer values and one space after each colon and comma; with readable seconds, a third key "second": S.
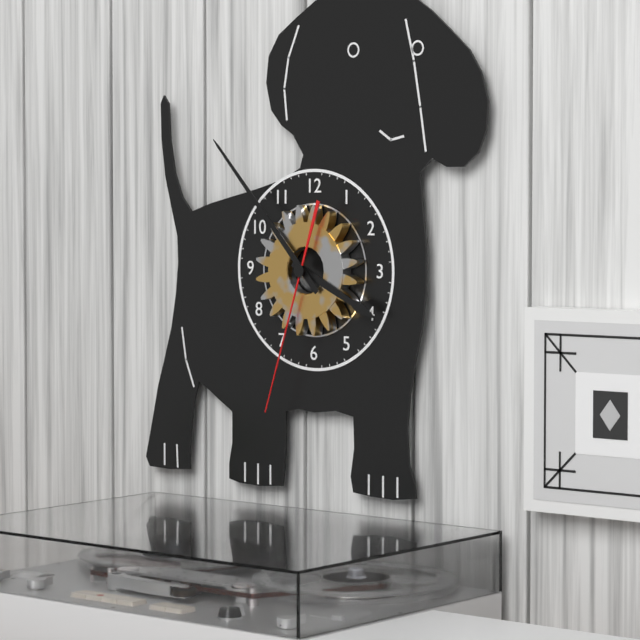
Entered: {"hour": 3, "minute": 53, "second": 33}
